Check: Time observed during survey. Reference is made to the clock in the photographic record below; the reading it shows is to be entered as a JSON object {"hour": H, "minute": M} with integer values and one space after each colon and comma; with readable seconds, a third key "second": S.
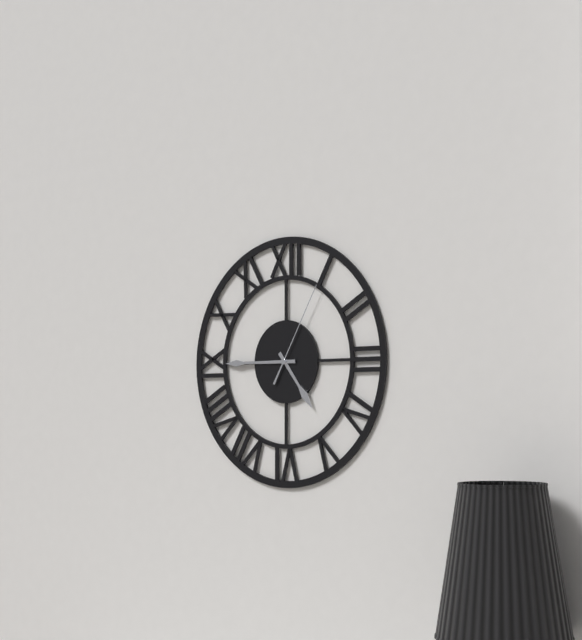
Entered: {"hour": 4, "minute": 45, "second": 5}
